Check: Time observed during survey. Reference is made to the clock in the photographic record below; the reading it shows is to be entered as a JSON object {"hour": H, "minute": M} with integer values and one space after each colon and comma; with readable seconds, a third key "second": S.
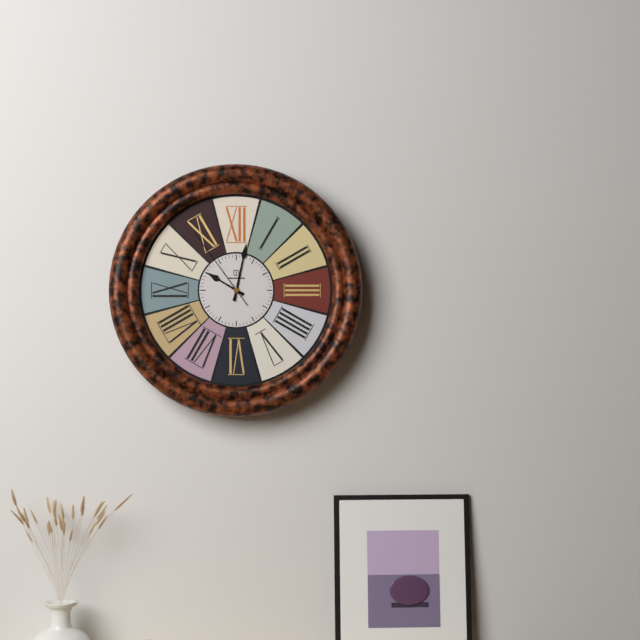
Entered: {"hour": 10, "minute": 2, "second": 54}
